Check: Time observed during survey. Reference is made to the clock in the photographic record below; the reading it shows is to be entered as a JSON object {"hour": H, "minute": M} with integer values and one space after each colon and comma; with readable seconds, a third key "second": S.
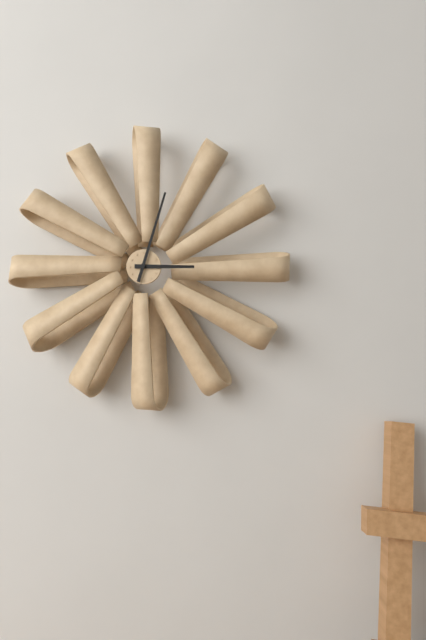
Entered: {"hour": 3, "minute": 3}
